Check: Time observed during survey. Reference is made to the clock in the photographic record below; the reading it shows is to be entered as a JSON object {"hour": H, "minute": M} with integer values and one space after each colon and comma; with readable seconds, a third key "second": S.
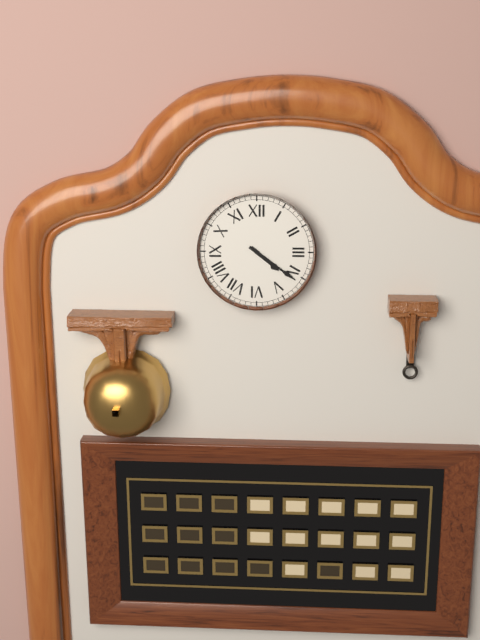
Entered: {"hour": 4, "minute": 21}
